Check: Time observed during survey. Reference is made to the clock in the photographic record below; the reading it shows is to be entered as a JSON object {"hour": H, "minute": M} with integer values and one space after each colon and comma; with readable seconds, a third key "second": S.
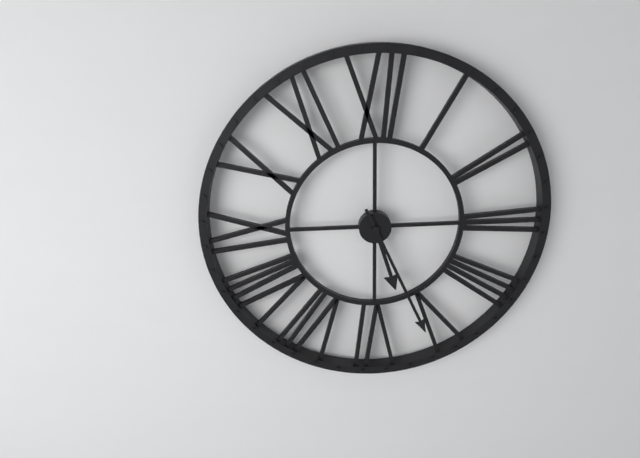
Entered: {"hour": 5, "minute": 26}
